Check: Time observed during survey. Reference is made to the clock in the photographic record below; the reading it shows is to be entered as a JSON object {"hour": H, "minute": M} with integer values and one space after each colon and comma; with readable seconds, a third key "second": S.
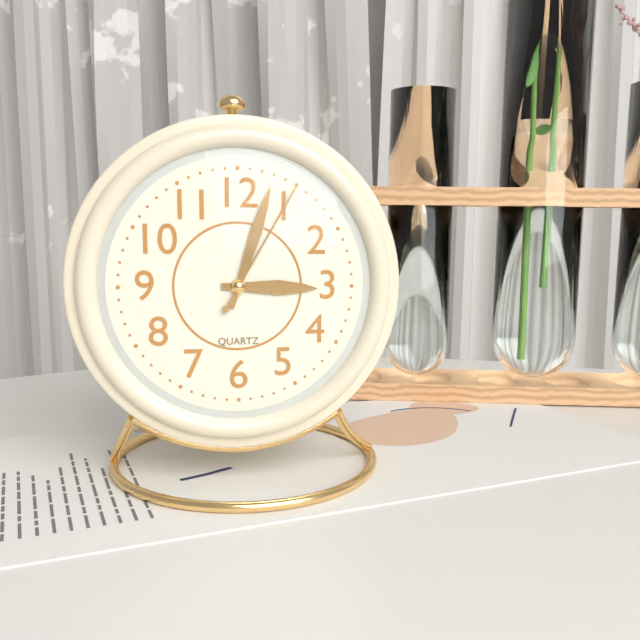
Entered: {"hour": 3, "minute": 3, "second": 5}
